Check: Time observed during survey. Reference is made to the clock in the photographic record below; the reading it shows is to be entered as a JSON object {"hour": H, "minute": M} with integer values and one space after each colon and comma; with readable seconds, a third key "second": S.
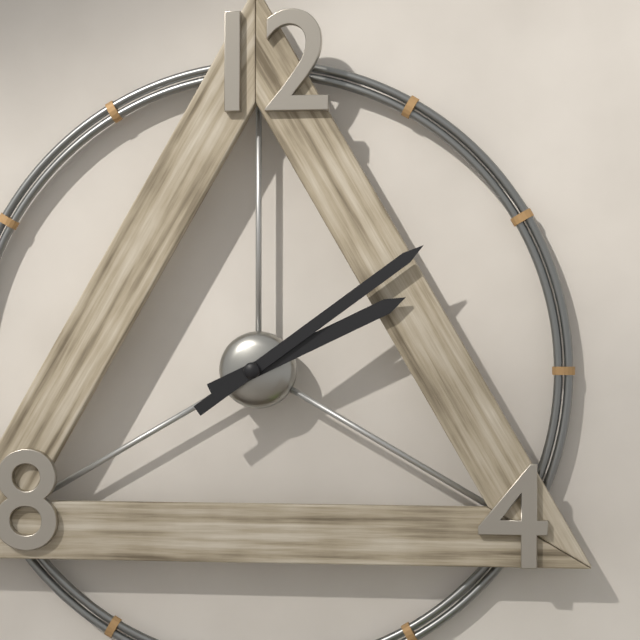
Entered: {"hour": 2, "minute": 9}
